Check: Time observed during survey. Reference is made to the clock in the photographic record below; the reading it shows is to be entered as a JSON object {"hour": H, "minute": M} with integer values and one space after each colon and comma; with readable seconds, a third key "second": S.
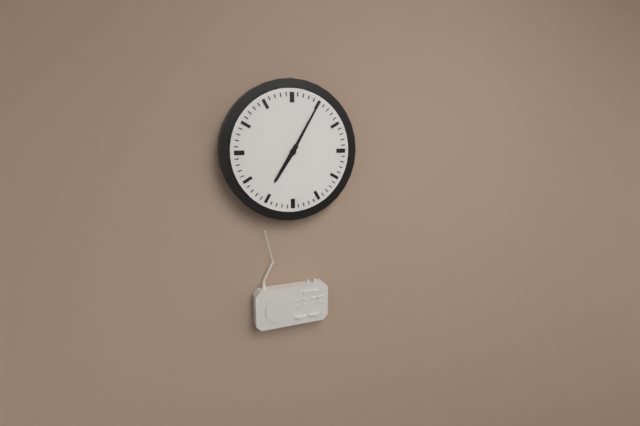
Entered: {"hour": 7, "minute": 5}
